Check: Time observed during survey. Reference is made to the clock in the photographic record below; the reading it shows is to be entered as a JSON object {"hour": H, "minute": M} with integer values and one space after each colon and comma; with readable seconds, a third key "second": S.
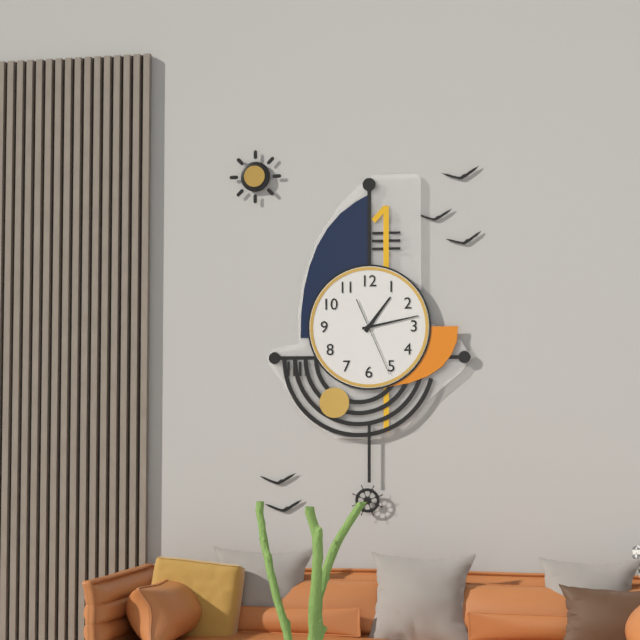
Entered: {"hour": 1, "minute": 13, "second": 26}
